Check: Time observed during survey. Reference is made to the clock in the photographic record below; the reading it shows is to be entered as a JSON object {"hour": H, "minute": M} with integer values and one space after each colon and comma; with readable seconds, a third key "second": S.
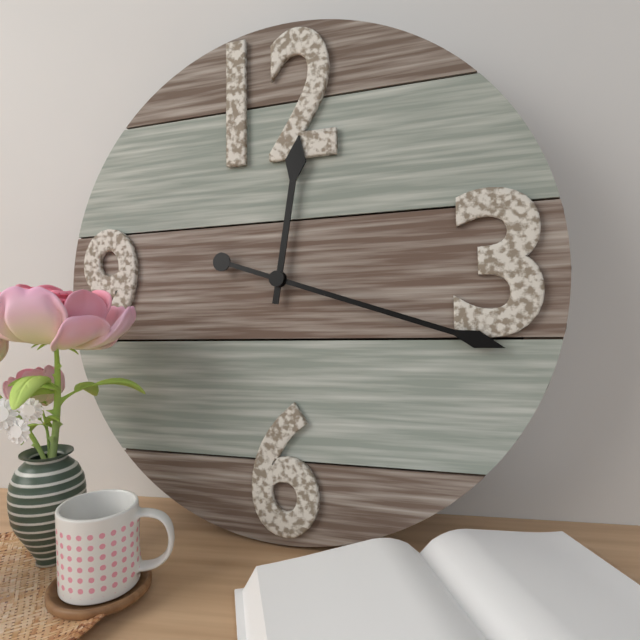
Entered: {"hour": 12, "minute": 18}
